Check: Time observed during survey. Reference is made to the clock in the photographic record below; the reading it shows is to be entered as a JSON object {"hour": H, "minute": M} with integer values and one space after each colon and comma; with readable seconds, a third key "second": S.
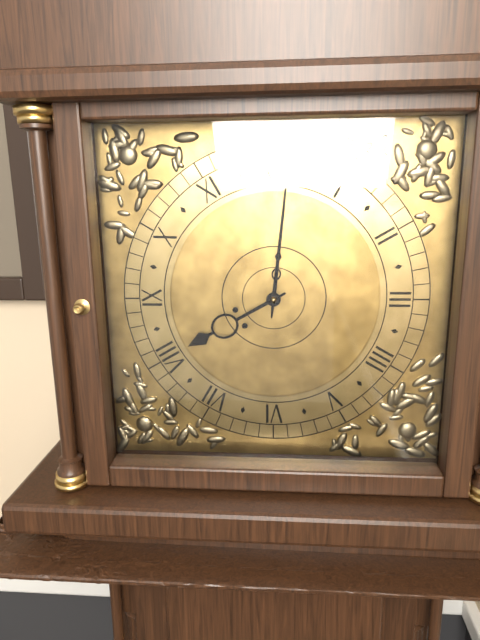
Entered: {"hour": 8, "minute": 1}
